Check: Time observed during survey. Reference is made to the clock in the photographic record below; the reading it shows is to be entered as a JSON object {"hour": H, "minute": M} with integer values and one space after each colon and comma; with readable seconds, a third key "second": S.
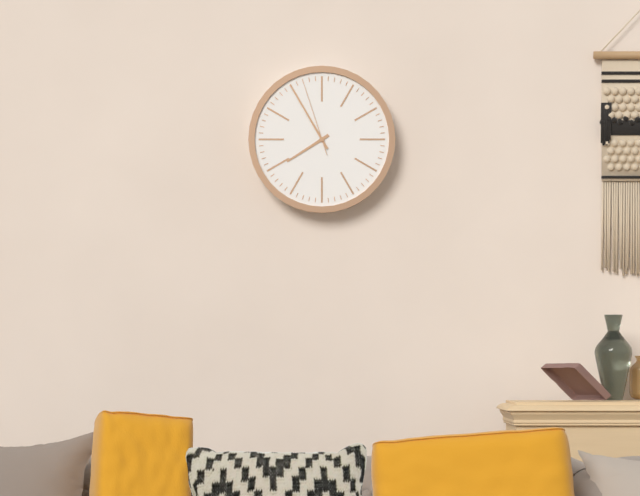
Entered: {"hour": 7, "minute": 55, "second": 57}
